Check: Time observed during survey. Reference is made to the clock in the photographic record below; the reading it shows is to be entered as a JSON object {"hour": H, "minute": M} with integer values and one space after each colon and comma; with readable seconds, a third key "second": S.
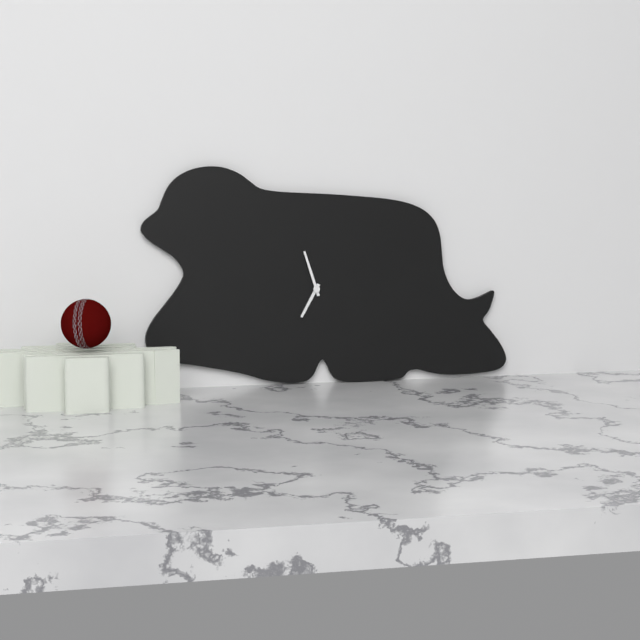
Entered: {"hour": 6, "minute": 57}
